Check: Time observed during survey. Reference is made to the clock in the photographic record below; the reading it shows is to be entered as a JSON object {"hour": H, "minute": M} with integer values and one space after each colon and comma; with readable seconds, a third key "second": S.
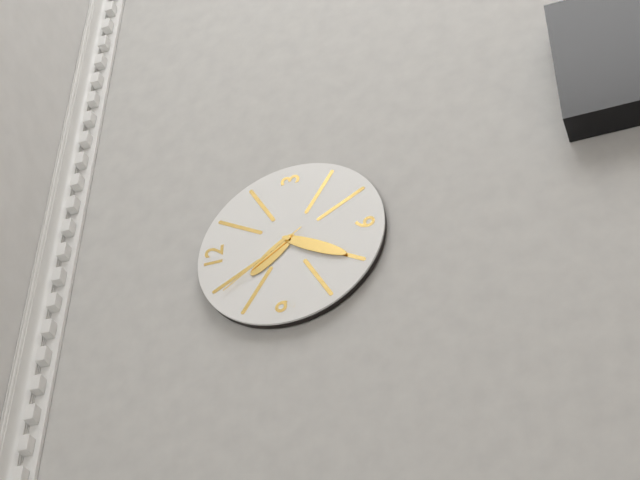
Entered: {"hour": 10, "minute": 35, "second": 54}
